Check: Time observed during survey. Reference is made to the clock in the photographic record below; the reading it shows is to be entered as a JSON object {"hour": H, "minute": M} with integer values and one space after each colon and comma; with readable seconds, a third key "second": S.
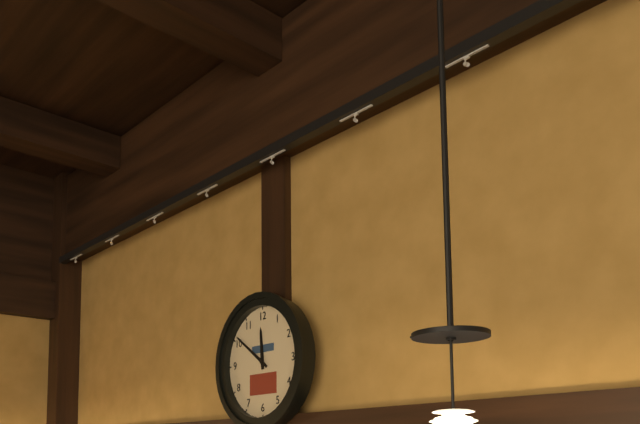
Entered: {"hour": 11, "minute": 51}
